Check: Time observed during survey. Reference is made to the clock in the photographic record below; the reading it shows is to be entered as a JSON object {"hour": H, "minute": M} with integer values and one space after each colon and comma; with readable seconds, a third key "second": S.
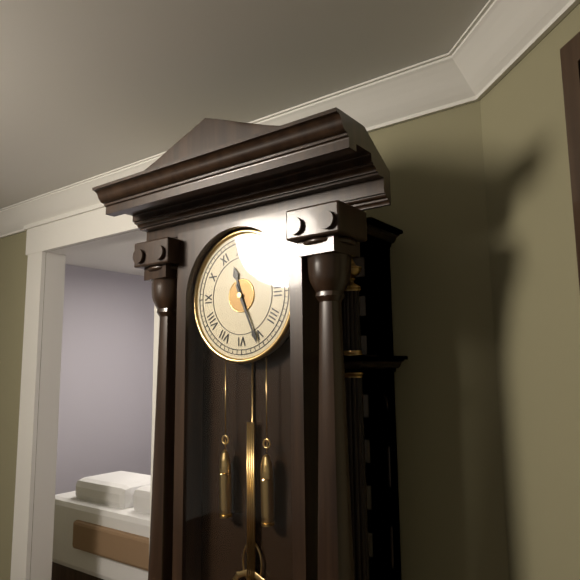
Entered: {"hour": 11, "minute": 26}
